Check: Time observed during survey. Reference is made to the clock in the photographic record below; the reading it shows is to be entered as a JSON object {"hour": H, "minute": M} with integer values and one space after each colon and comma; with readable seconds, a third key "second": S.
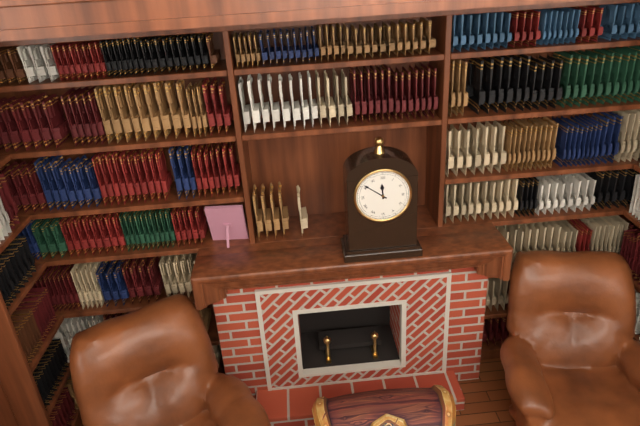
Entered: {"hour": 11, "minute": 51}
